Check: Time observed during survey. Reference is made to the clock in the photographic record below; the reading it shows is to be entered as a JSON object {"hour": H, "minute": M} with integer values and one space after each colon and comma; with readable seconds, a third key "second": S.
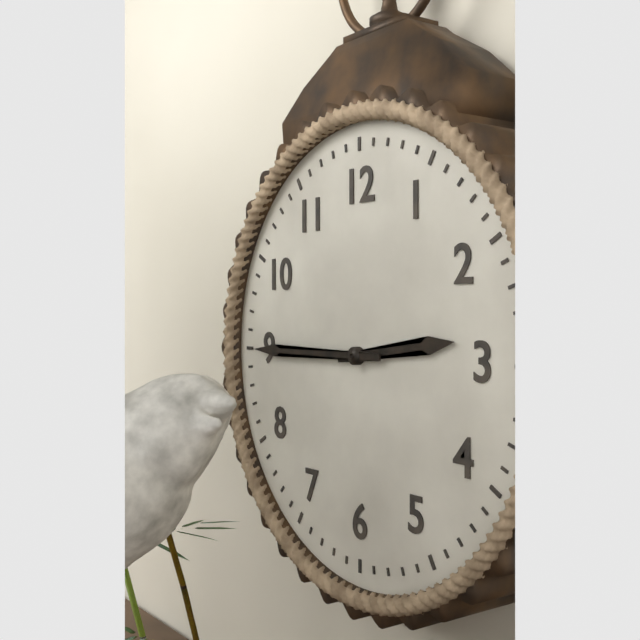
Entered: {"hour": 2, "minute": 45}
